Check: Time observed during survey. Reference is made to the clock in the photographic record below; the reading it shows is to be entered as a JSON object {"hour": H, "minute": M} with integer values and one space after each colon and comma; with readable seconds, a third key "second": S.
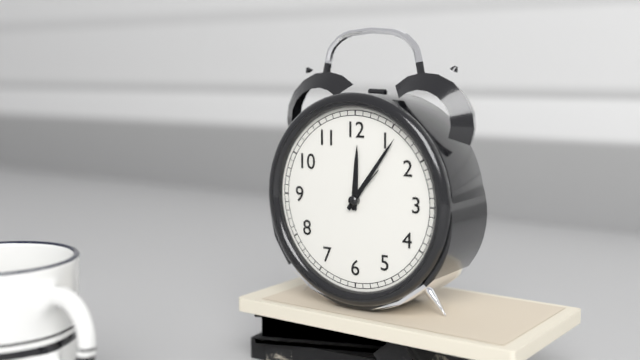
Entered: {"hour": 12, "minute": 6, "second": 7}
